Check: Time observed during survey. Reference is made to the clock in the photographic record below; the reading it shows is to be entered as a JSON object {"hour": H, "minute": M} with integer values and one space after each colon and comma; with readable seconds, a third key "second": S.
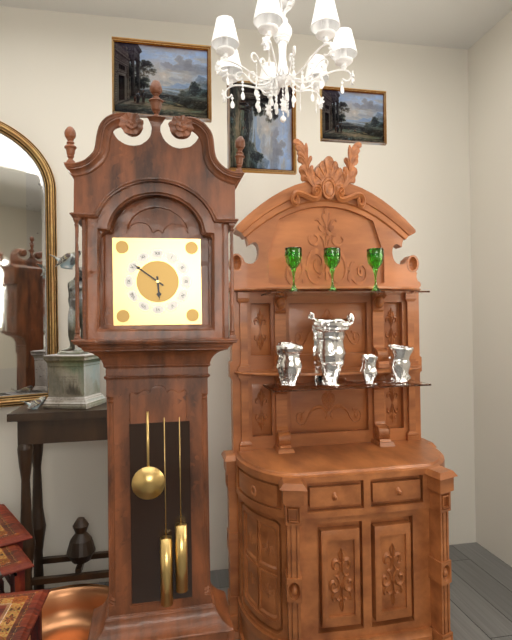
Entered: {"hour": 5, "minute": 51}
